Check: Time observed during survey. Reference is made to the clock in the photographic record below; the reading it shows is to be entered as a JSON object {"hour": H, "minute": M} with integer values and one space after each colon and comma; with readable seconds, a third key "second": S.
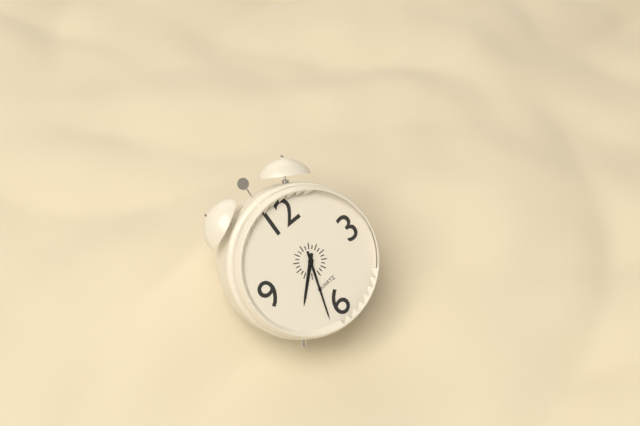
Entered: {"hour": 7, "minute": 33}
